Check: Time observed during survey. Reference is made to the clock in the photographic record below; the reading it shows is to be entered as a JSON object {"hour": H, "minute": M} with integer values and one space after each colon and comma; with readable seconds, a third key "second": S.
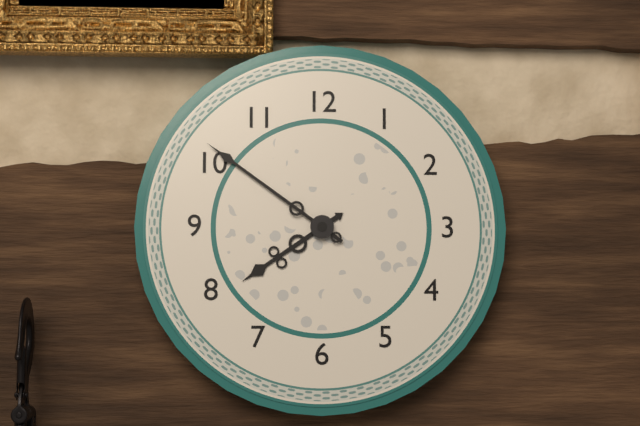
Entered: {"hour": 7, "minute": 51}
